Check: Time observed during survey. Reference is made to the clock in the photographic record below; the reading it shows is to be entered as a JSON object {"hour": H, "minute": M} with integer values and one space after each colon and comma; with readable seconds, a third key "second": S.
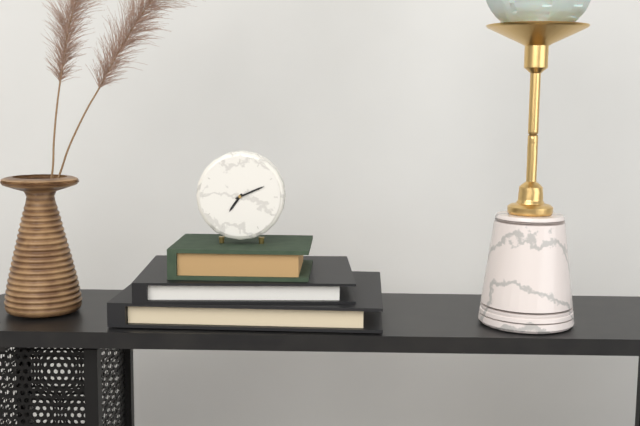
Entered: {"hour": 7, "minute": 11}
